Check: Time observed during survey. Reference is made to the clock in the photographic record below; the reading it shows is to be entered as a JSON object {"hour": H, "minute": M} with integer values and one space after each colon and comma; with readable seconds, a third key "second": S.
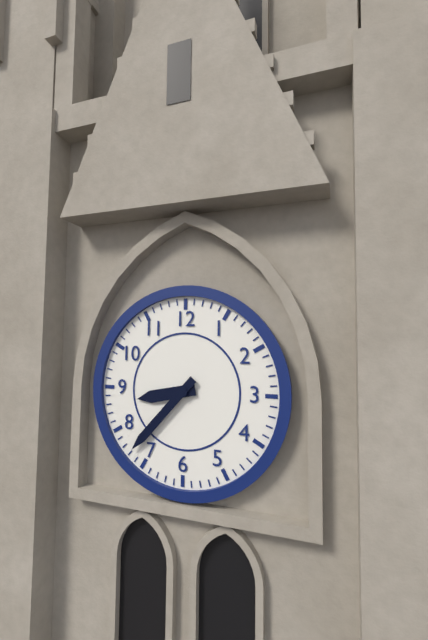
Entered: {"hour": 8, "minute": 37}
